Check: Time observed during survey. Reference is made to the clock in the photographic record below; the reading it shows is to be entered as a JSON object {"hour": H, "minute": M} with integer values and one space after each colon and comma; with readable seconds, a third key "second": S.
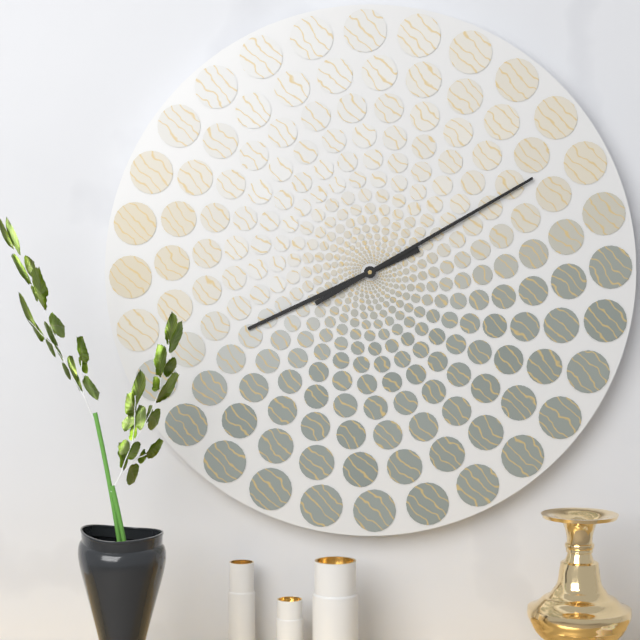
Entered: {"hour": 8, "minute": 10}
